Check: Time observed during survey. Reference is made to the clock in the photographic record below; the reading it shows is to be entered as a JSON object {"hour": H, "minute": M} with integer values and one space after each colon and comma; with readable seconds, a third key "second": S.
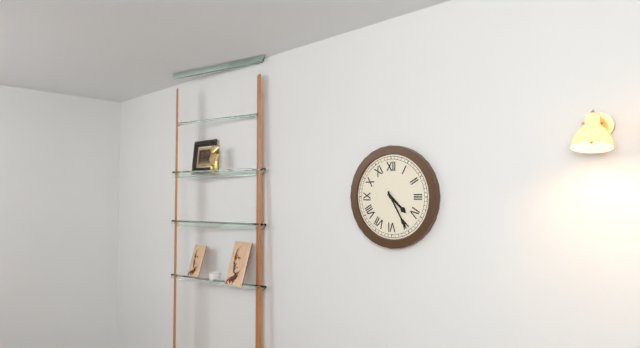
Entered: {"hour": 4, "minute": 25}
